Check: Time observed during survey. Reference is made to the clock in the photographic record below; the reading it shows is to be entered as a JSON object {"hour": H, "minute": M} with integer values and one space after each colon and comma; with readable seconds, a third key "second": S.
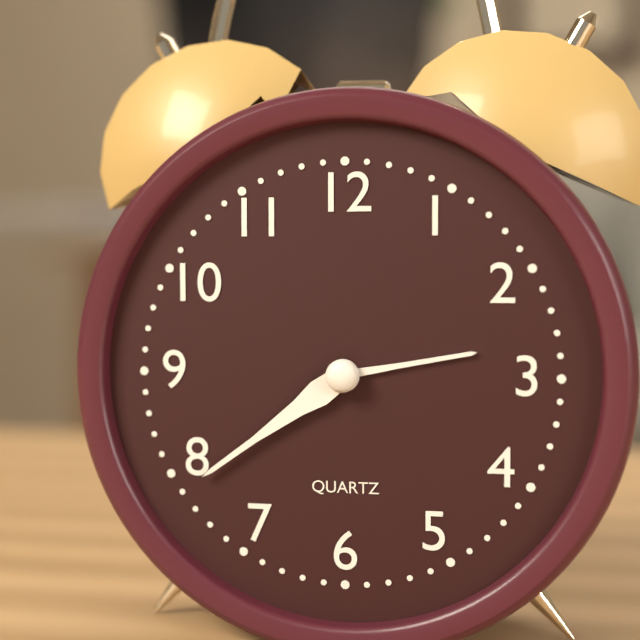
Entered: {"hour": 2, "minute": 39}
